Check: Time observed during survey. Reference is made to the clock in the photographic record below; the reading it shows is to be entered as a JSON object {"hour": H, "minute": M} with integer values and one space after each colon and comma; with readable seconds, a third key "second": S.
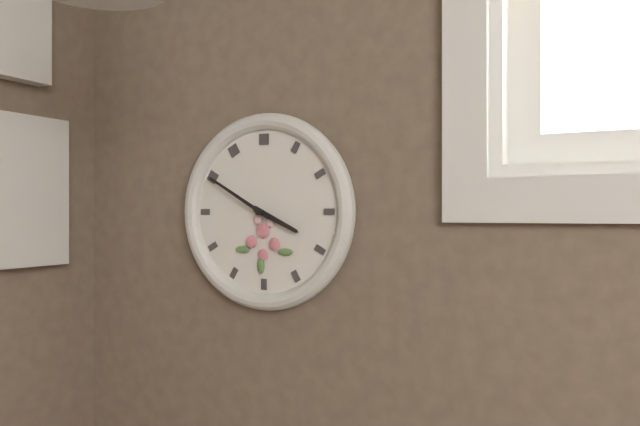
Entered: {"hour": 3, "minute": 50}
